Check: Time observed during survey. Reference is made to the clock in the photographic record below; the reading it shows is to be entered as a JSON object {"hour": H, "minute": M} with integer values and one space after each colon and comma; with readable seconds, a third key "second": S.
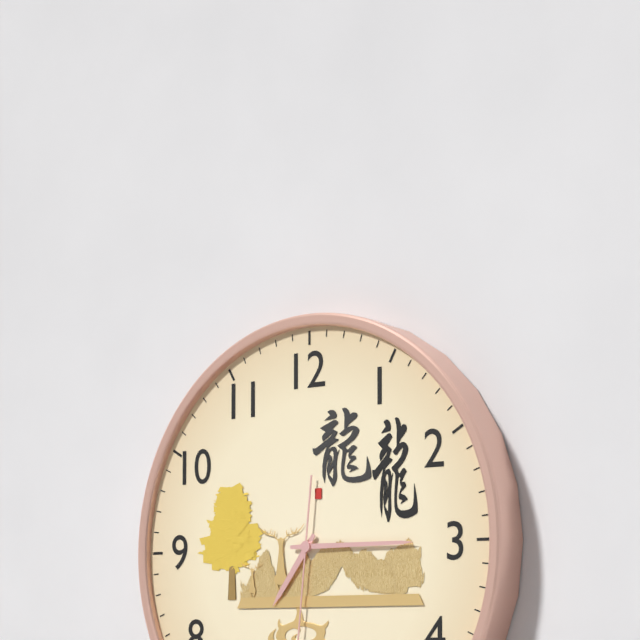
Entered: {"hour": 7, "minute": 15}
